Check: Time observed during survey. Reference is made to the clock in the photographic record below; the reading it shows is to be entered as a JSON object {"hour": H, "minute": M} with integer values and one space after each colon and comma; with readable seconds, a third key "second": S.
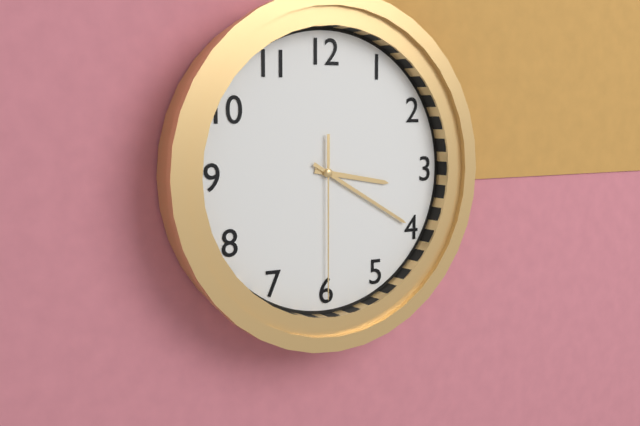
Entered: {"hour": 3, "minute": 20, "second": 30}
